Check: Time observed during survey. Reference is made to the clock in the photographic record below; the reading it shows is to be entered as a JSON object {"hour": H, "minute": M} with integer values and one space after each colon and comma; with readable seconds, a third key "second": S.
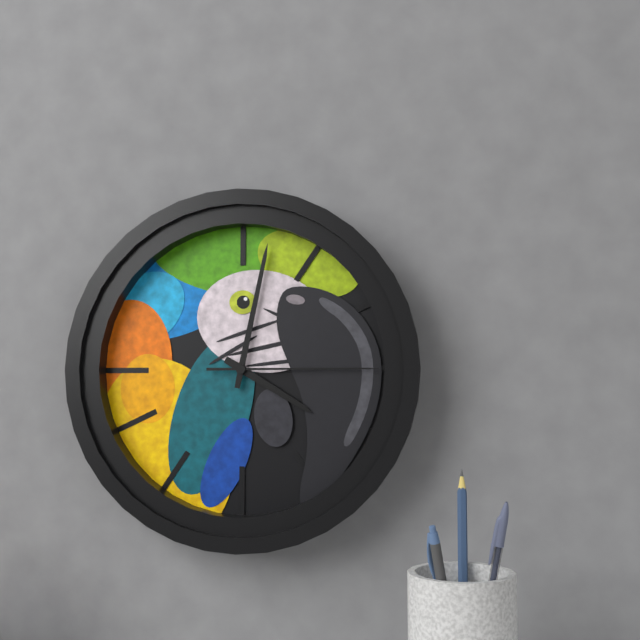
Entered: {"hour": 4, "minute": 2, "second": 15}
